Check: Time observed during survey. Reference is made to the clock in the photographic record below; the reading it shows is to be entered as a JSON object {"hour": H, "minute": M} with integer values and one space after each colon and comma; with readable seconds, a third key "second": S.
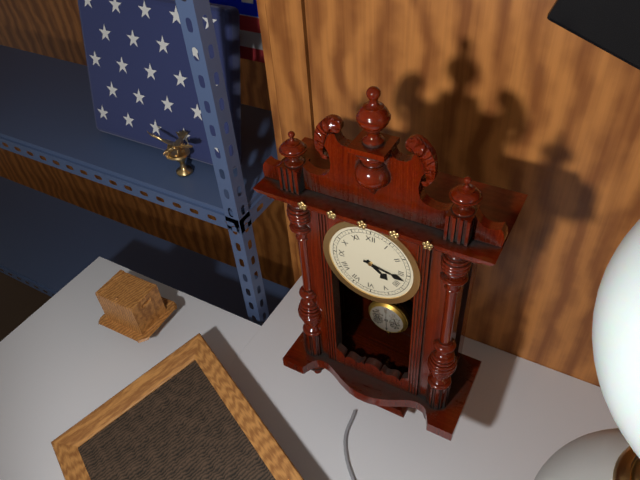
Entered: {"hour": 4, "minute": 17}
